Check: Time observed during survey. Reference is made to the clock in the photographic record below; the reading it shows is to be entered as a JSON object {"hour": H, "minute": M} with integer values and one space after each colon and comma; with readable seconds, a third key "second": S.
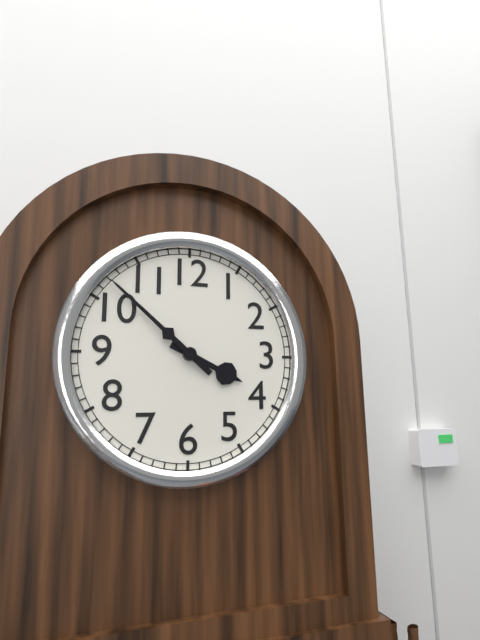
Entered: {"hour": 3, "minute": 52}
